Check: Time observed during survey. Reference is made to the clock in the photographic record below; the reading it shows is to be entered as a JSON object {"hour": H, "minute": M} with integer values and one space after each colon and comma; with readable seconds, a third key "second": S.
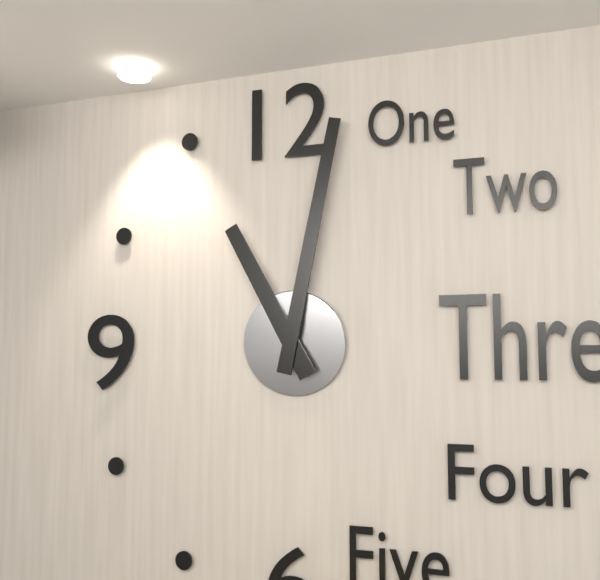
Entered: {"hour": 11, "minute": 2}
